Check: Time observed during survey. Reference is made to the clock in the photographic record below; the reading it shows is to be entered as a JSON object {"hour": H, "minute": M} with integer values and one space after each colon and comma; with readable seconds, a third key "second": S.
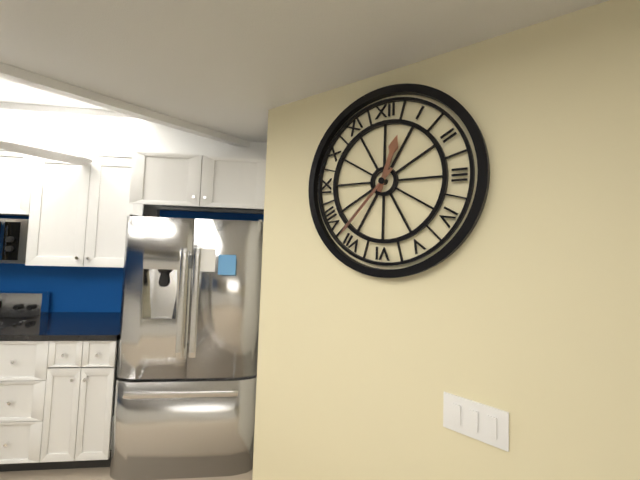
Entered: {"hour": 12, "minute": 37}
